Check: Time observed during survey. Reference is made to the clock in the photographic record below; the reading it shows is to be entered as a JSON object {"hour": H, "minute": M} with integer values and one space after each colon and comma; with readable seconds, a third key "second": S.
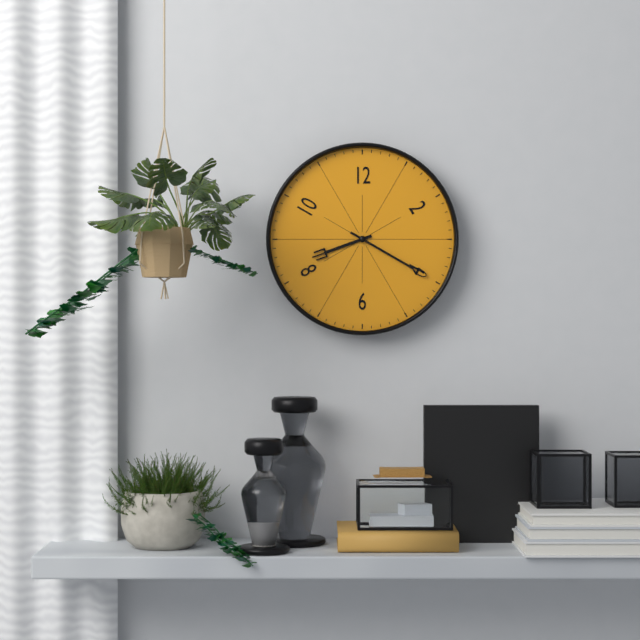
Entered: {"hour": 8, "minute": 20}
